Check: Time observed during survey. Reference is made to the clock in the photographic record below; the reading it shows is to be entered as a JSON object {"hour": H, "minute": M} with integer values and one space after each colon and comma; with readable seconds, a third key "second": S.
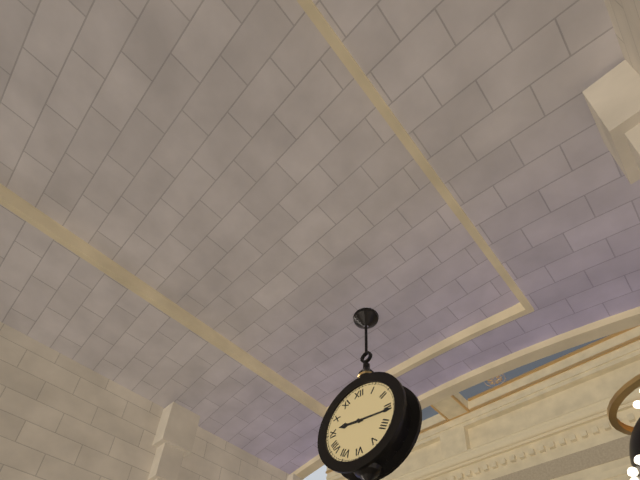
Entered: {"hour": 9, "minute": 16}
